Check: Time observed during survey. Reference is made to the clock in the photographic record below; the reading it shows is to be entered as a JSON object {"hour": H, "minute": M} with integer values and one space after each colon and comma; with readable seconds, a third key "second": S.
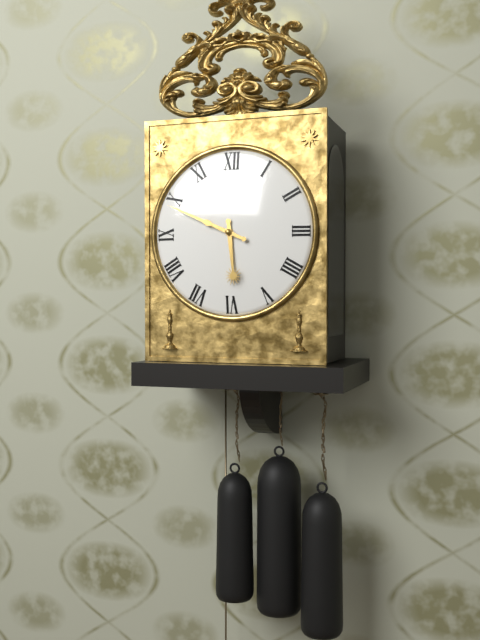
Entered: {"hour": 5, "minute": 49}
